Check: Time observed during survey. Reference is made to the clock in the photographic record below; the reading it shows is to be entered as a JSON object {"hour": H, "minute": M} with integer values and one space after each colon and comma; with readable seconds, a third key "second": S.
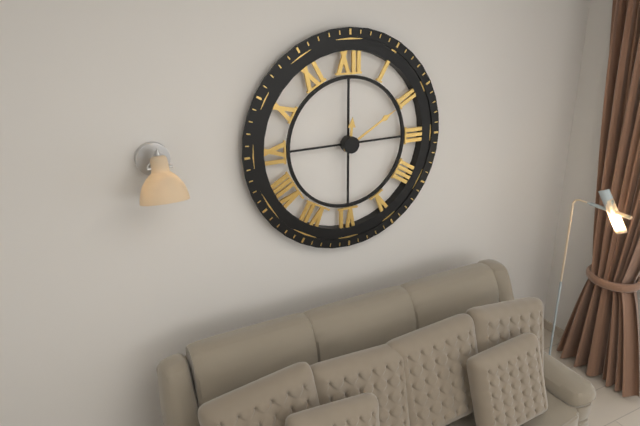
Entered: {"hour": 12, "minute": 10}
